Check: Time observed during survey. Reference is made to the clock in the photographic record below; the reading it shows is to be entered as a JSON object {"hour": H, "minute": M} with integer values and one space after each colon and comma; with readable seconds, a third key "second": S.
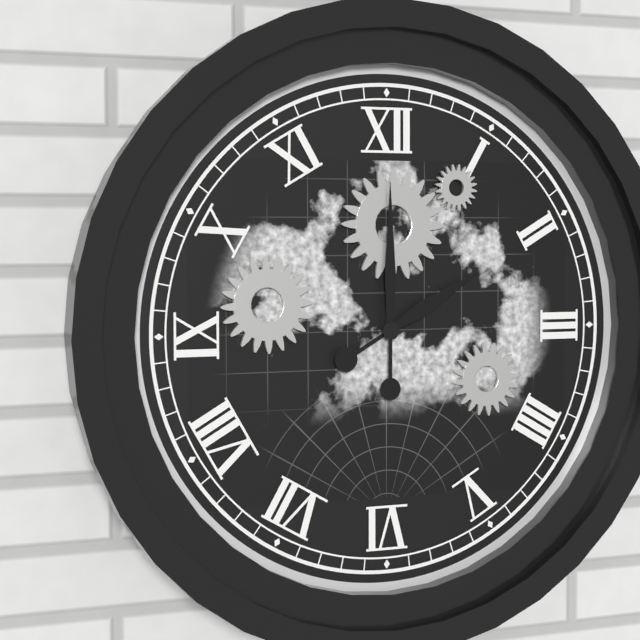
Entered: {"hour": 2, "minute": 0}
